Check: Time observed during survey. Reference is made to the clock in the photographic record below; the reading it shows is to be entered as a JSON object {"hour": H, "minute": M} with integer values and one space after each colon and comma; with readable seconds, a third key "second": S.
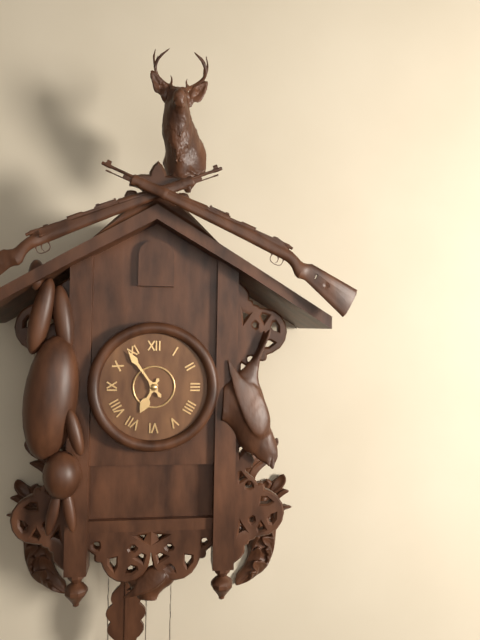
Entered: {"hour": 6, "minute": 54}
